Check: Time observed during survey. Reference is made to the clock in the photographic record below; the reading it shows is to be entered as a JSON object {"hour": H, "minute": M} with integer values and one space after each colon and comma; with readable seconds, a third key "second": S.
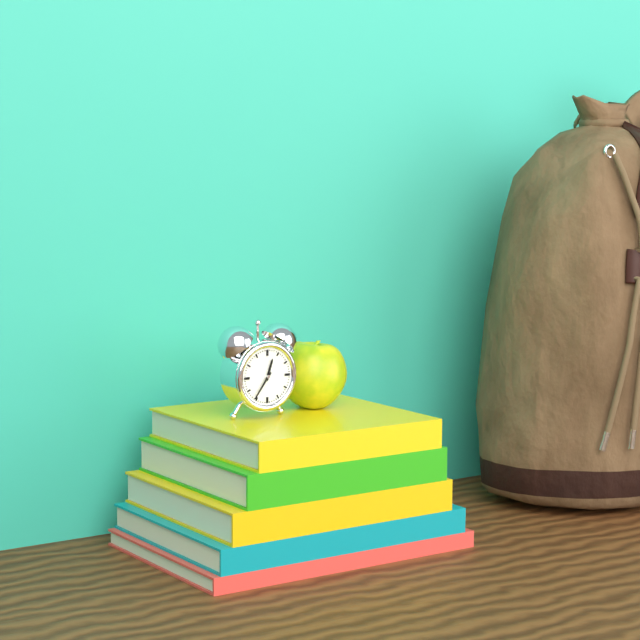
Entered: {"hour": 12, "minute": 36}
